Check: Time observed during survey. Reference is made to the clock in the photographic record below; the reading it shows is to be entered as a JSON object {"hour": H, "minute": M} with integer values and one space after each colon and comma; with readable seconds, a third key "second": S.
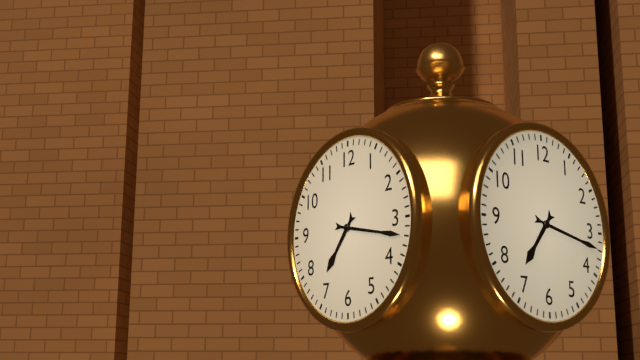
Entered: {"hour": 7, "minute": 17}
